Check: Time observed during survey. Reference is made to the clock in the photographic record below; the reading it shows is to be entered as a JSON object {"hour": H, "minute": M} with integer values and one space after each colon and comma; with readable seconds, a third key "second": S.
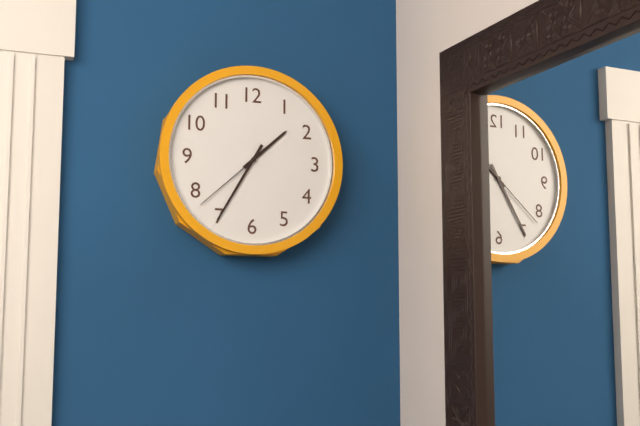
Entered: {"hour": 1, "minute": 35, "second": 38}
